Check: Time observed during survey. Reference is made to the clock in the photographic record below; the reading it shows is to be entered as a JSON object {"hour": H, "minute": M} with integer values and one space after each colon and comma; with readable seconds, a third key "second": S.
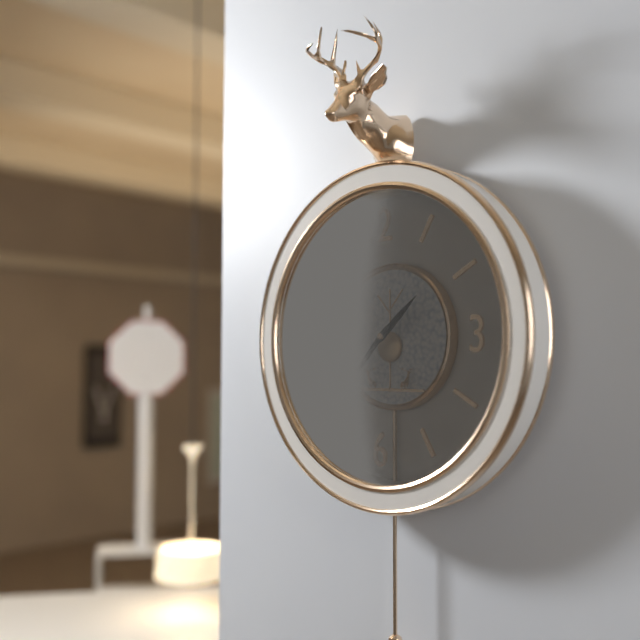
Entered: {"hour": 1, "minute": 37}
